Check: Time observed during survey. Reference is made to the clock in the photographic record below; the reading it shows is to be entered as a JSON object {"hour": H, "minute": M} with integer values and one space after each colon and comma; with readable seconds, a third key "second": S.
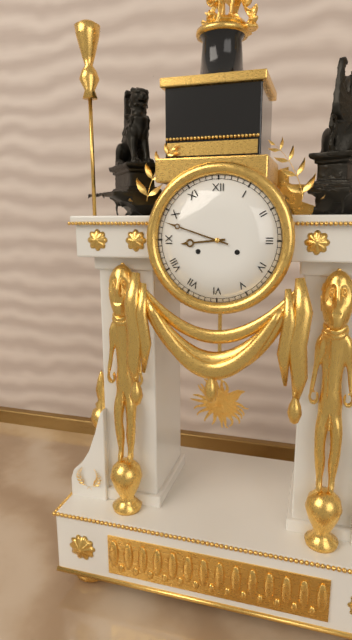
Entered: {"hour": 8, "minute": 48}
